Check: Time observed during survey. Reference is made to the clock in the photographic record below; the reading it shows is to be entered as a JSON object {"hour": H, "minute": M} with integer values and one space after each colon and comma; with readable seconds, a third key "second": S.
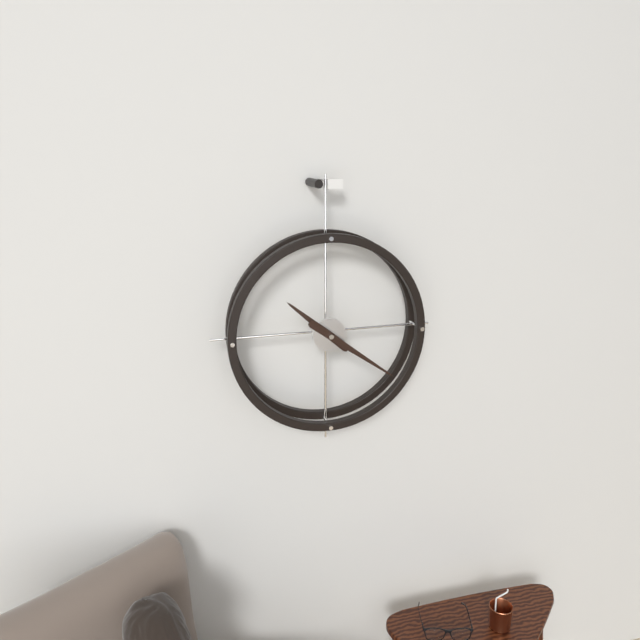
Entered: {"hour": 10, "minute": 21}
